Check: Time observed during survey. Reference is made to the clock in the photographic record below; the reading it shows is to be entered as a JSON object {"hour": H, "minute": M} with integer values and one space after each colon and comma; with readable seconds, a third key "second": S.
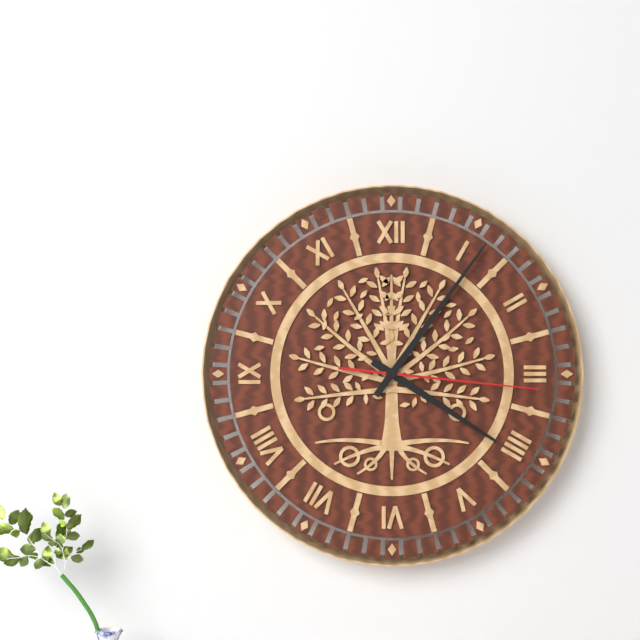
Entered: {"hour": 4, "minute": 6, "second": 16}
